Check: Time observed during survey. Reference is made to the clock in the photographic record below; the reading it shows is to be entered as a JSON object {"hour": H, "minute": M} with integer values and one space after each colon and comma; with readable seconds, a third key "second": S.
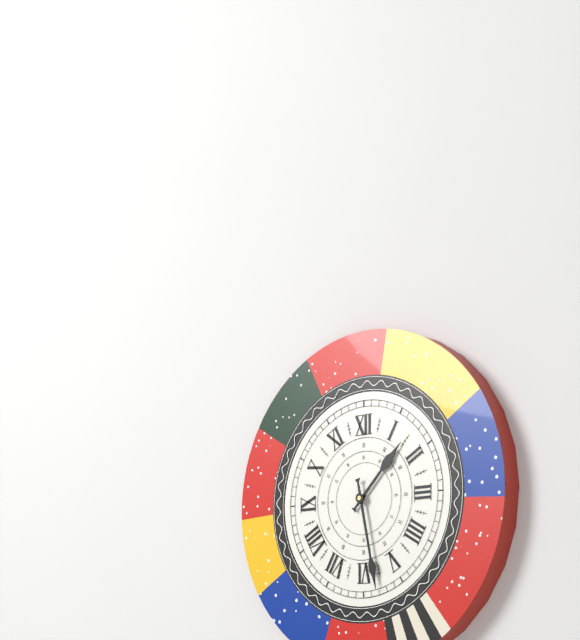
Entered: {"hour": 1, "minute": 28}
